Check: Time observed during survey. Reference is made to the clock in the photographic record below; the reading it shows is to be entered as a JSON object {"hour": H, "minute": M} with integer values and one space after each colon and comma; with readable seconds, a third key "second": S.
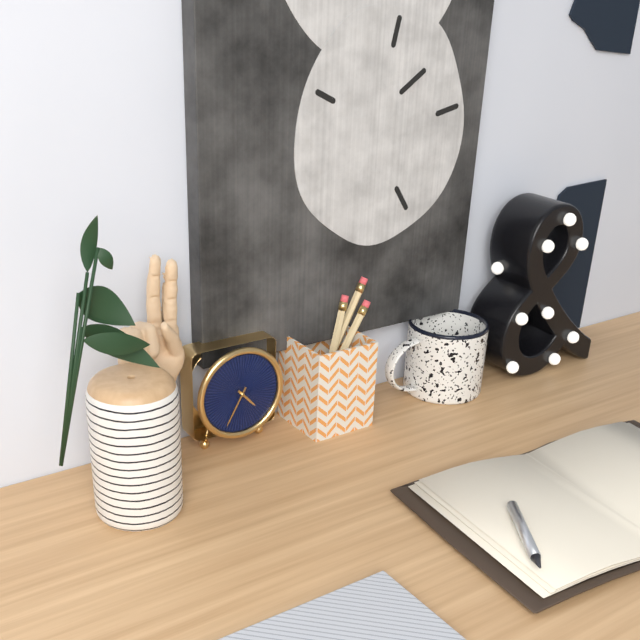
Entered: {"hour": 4, "minute": 35}
